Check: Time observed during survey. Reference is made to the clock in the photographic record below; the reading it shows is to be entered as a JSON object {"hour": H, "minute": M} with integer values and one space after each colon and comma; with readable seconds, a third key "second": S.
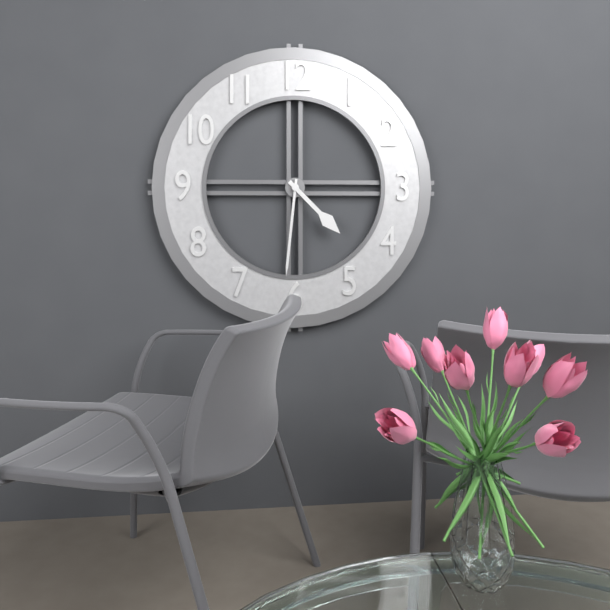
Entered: {"hour": 4, "minute": 31}
